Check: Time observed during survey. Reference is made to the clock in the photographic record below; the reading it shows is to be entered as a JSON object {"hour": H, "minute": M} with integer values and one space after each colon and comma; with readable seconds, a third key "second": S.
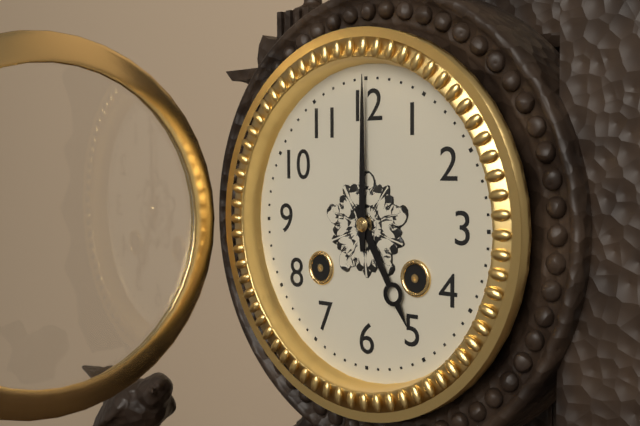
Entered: {"hour": 5, "minute": 0}
